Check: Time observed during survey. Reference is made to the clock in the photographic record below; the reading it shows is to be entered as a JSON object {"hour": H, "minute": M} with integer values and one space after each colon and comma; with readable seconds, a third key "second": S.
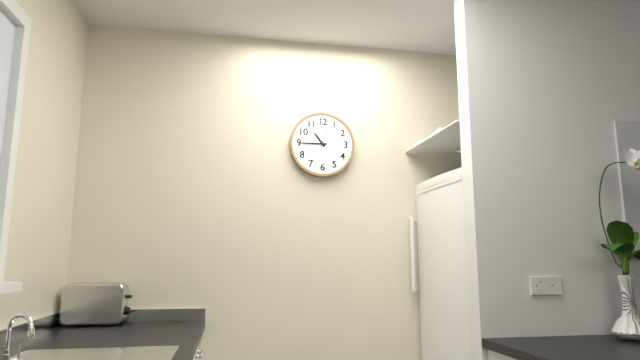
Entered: {"hour": 10, "minute": 45}
